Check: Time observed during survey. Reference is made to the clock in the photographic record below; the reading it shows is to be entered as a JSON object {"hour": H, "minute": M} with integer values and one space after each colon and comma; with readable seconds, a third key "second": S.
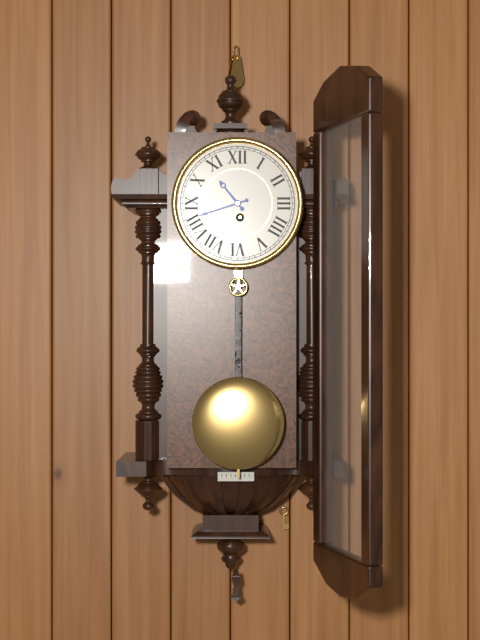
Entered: {"hour": 10, "minute": 42}
